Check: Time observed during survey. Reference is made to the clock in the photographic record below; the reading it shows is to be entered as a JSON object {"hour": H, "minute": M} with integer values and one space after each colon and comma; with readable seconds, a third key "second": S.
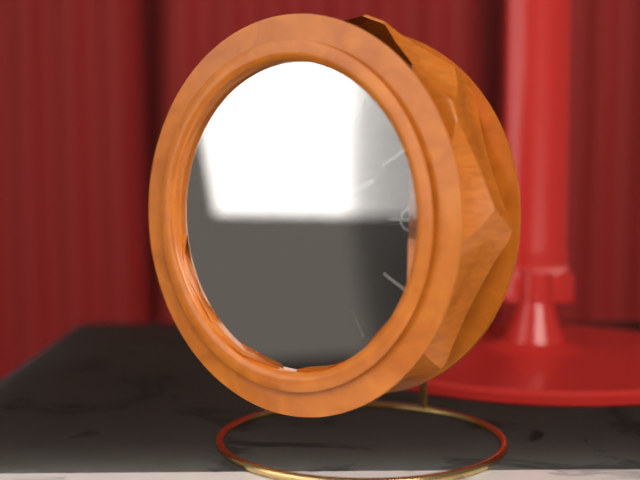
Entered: {"hour": 5, "minute": 11, "second": 1}
